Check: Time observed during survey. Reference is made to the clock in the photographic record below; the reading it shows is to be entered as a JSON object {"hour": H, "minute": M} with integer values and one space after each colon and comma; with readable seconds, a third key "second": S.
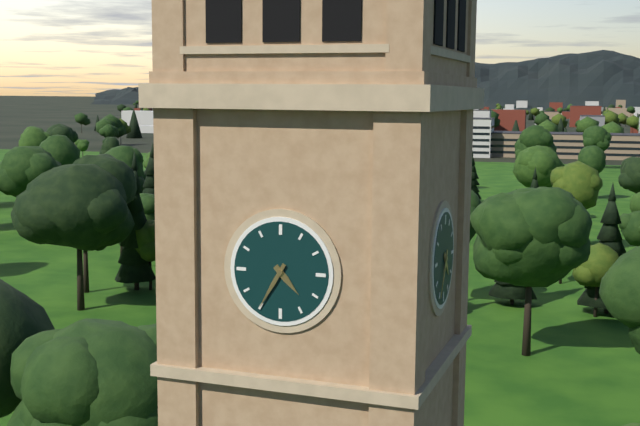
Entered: {"hour": 4, "minute": 35}
